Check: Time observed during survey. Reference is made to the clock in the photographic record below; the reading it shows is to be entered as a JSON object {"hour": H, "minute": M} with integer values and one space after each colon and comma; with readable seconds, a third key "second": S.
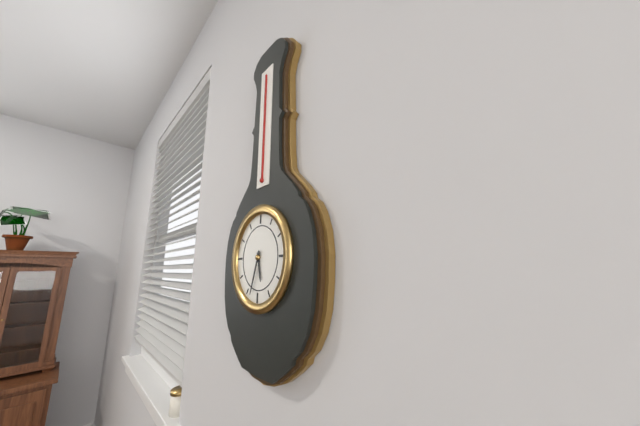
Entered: {"hour": 5, "minute": 33}
